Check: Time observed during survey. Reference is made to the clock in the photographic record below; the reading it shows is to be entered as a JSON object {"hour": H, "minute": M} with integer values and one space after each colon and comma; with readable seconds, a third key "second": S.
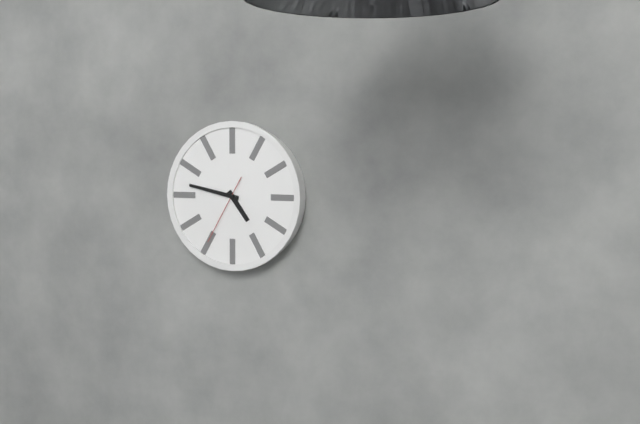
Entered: {"hour": 4, "minute": 47, "second": 35}
